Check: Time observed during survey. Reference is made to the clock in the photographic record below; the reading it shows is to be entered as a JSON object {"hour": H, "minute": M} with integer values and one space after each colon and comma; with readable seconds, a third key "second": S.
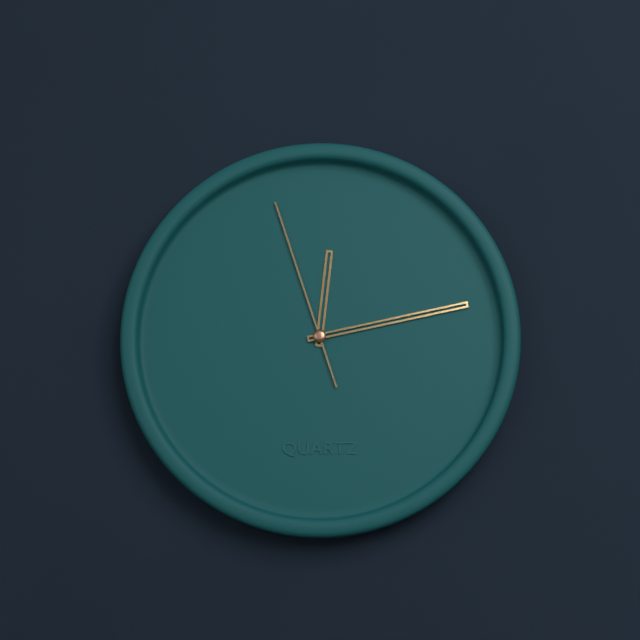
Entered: {"hour": 12, "minute": 13, "second": 57}
